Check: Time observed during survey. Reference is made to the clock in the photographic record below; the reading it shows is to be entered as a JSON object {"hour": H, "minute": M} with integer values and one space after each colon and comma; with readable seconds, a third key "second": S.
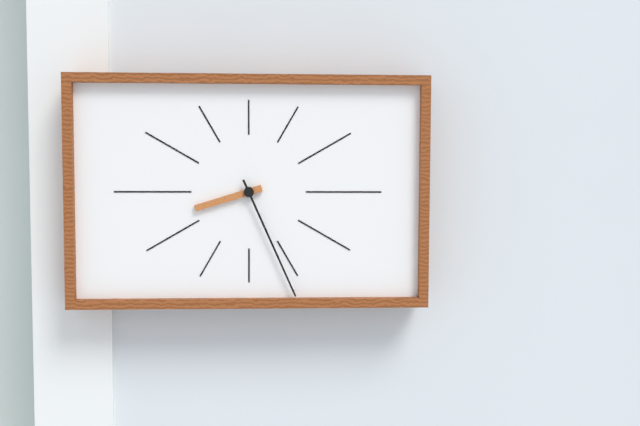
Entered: {"hour": 8, "minute": 26}
